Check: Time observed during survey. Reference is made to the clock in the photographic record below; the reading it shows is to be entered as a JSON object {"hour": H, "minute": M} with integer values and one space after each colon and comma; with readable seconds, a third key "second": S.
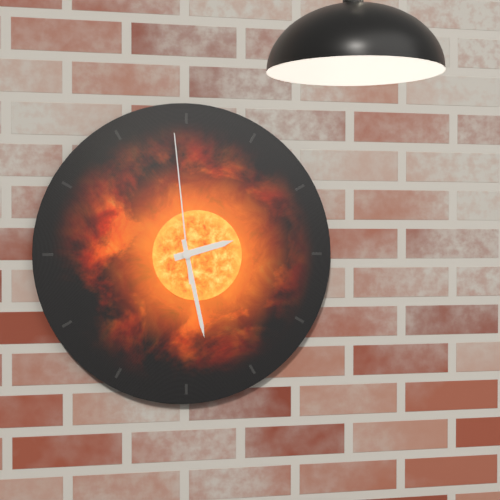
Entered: {"hour": 2, "minute": 28, "second": 59}
